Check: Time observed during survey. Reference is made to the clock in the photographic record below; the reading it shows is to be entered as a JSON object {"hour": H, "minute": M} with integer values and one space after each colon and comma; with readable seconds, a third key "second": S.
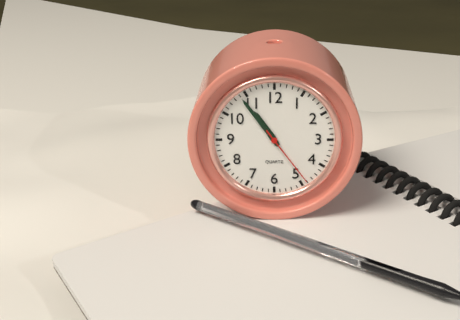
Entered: {"hour": 10, "minute": 54, "second": 24}
